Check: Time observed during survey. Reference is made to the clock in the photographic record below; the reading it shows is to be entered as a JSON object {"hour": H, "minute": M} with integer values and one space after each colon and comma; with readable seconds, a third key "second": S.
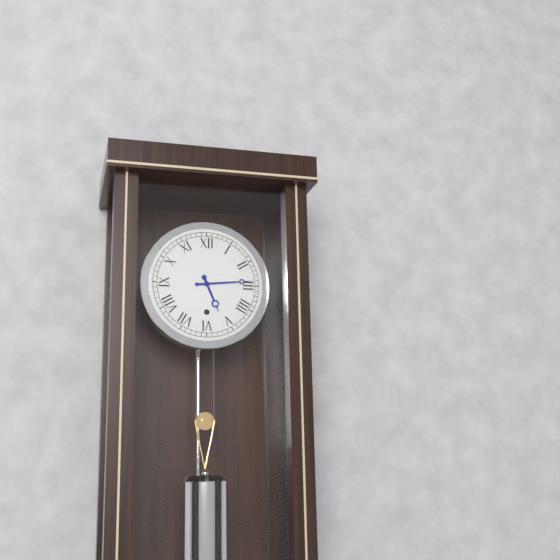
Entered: {"hour": 5, "minute": 14}
